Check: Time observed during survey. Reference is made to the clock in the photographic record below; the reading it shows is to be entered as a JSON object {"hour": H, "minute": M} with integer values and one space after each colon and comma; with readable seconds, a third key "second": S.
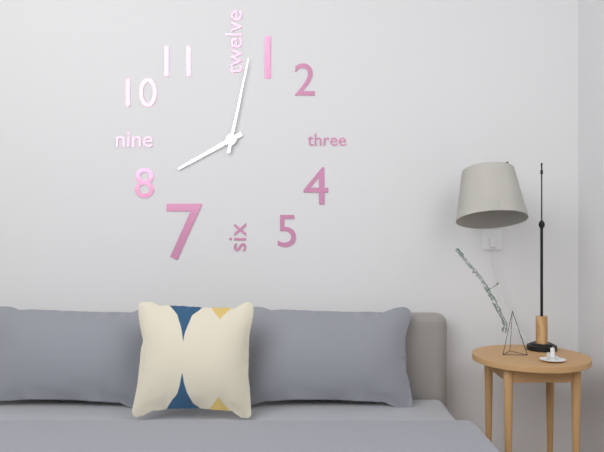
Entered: {"hour": 8, "minute": 2}
